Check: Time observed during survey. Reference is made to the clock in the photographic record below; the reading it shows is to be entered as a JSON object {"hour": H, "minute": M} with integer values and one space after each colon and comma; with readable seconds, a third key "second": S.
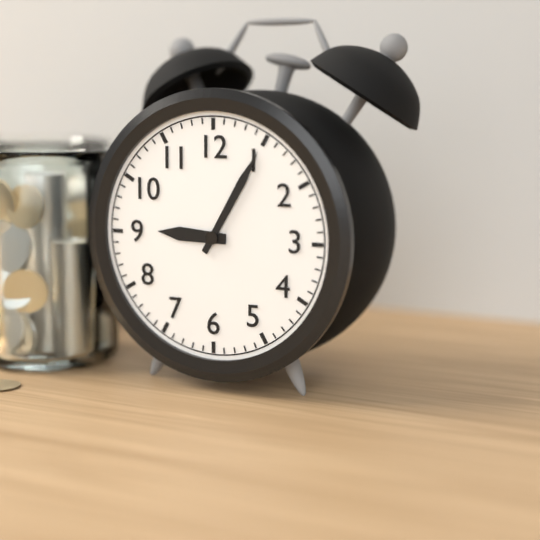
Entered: {"hour": 9, "minute": 5}
